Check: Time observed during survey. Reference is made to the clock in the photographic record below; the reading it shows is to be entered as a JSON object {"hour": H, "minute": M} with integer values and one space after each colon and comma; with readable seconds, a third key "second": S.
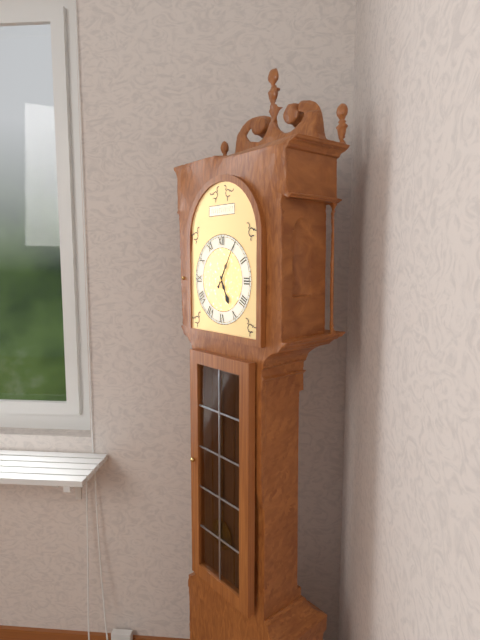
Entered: {"hour": 5, "minute": 5}
